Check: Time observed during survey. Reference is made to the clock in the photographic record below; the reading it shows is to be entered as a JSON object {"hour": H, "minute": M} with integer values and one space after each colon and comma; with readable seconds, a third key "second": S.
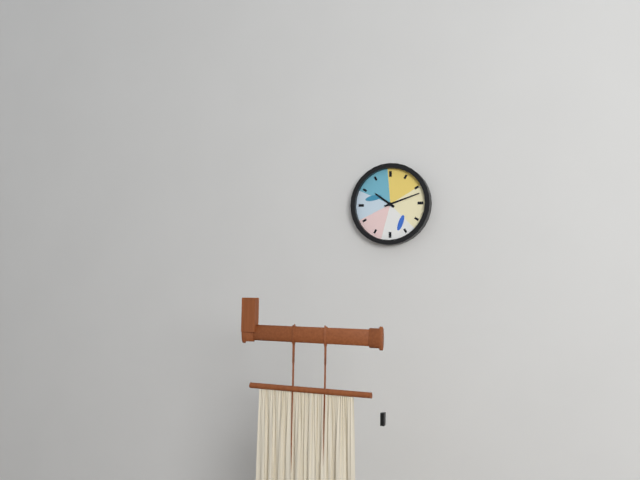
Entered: {"hour": 10, "minute": 12}
